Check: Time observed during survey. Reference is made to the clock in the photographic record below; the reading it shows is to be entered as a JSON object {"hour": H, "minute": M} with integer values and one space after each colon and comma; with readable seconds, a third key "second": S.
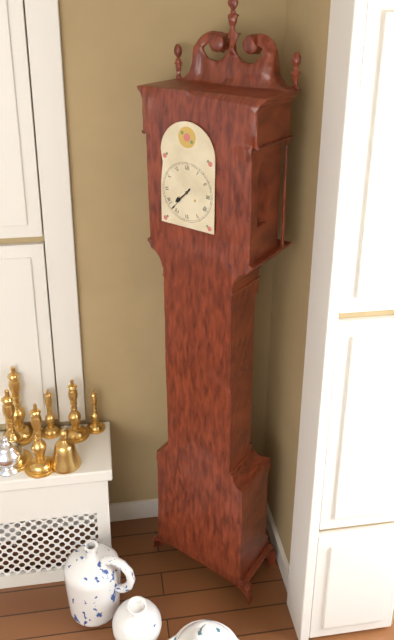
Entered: {"hour": 7, "minute": 37}
